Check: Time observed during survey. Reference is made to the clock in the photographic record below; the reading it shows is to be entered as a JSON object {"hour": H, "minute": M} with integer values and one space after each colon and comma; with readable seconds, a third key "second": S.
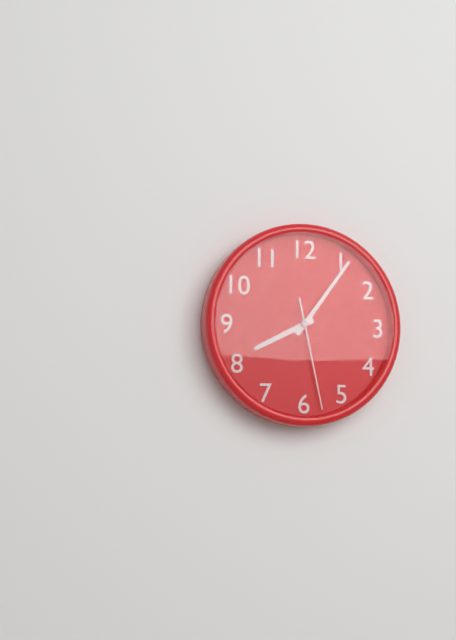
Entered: {"hour": 8, "minute": 6, "second": 28}
